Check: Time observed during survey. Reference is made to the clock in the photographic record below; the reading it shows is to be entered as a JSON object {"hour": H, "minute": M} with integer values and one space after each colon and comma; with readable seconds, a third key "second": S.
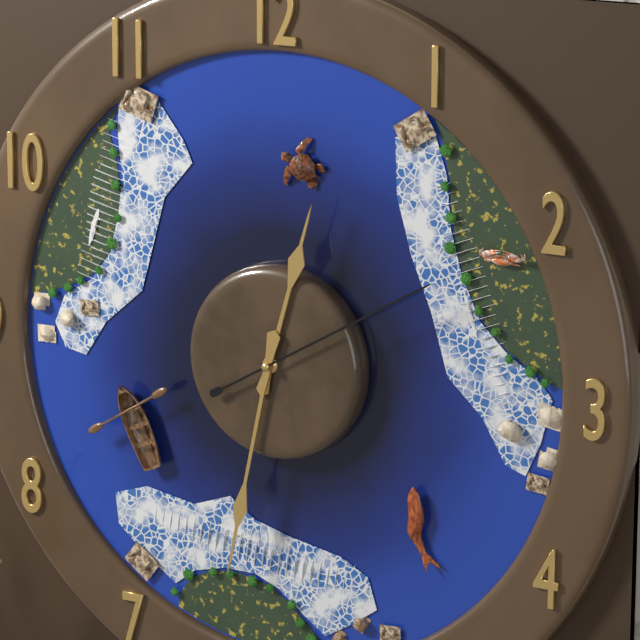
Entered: {"hour": 12, "minute": 32, "second": 10}
